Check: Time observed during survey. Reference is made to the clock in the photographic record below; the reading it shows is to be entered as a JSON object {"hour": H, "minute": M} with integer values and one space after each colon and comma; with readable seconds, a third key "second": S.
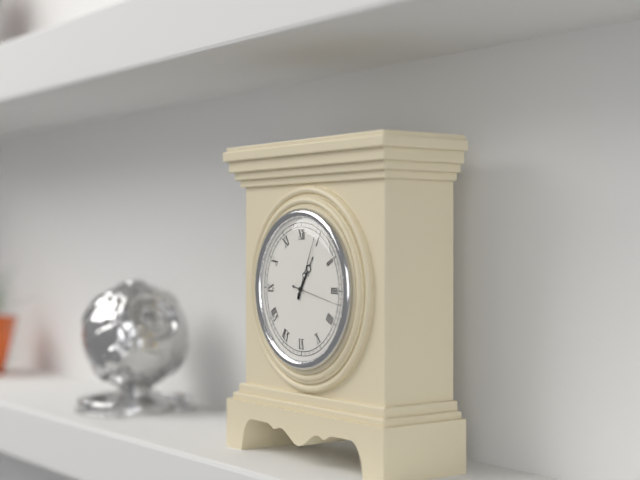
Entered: {"hour": 1, "minute": 4}
